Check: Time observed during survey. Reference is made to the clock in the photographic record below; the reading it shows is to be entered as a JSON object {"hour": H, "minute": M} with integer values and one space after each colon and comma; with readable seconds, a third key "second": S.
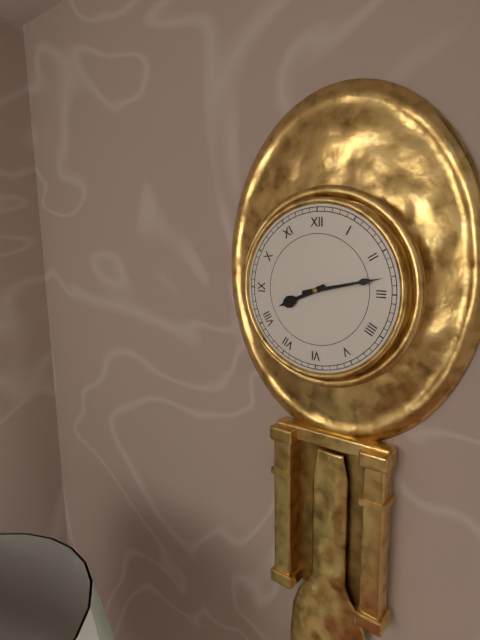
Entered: {"hour": 8, "minute": 13}
